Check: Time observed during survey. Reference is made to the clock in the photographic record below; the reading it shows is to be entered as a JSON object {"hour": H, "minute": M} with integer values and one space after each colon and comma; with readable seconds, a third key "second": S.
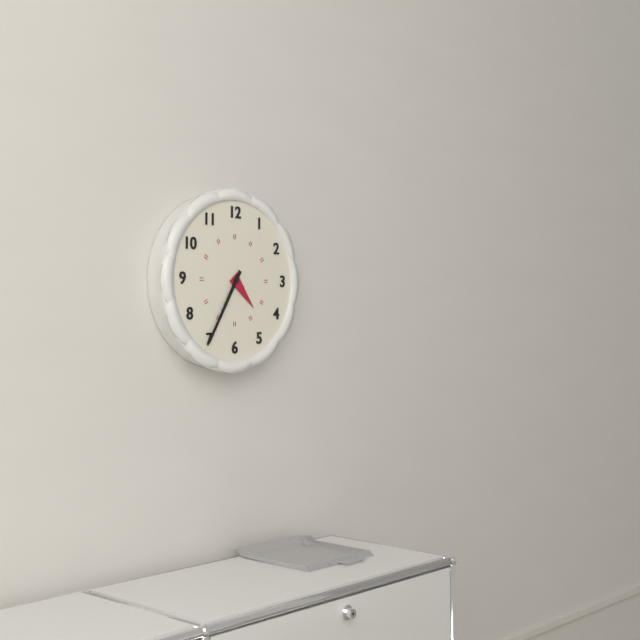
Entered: {"hour": 4, "minute": 35}
